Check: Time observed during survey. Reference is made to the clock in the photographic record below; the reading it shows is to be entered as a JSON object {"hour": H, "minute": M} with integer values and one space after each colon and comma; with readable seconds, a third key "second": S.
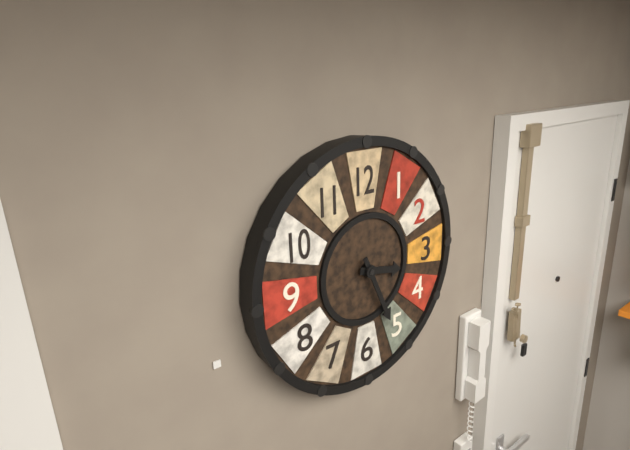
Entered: {"hour": 3, "minute": 26}
